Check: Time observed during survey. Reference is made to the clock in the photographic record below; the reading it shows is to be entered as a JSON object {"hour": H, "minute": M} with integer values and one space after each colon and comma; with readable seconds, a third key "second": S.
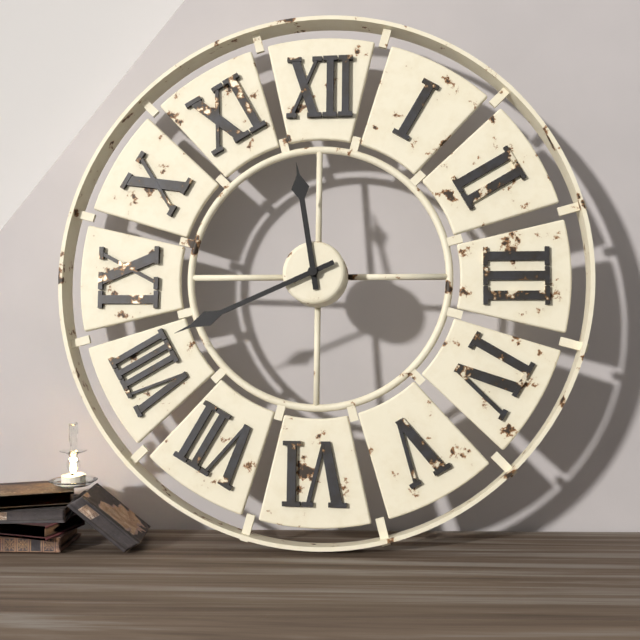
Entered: {"hour": 11, "minute": 41}
